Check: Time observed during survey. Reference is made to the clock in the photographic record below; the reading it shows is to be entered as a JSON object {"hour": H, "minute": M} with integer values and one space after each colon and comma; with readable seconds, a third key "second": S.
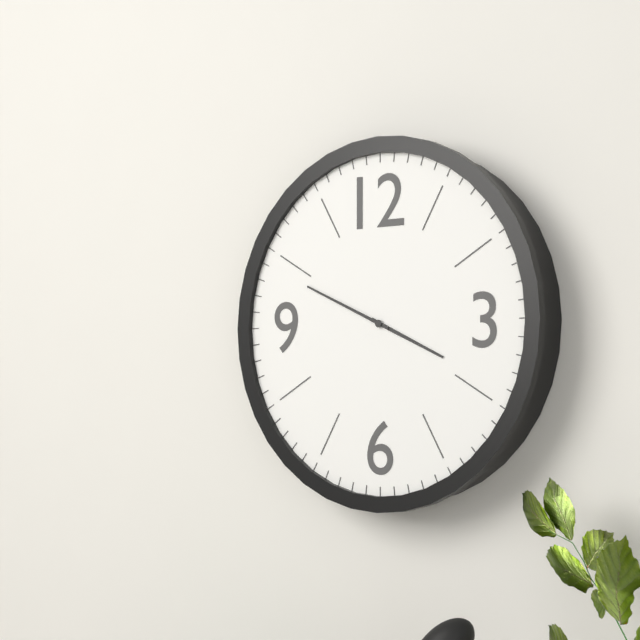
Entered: {"hour": 3, "minute": 49}
